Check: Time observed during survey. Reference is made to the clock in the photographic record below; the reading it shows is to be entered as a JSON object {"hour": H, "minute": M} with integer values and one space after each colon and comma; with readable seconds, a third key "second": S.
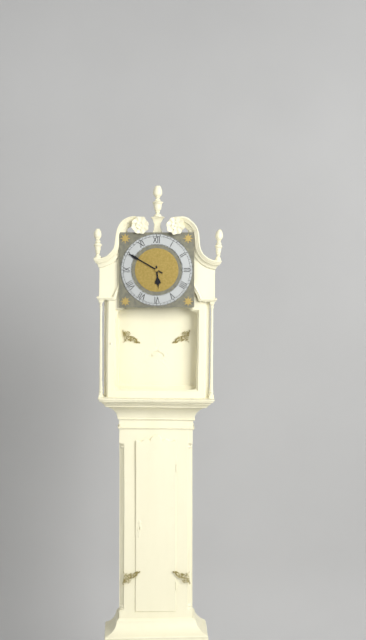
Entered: {"hour": 5, "minute": 50}
